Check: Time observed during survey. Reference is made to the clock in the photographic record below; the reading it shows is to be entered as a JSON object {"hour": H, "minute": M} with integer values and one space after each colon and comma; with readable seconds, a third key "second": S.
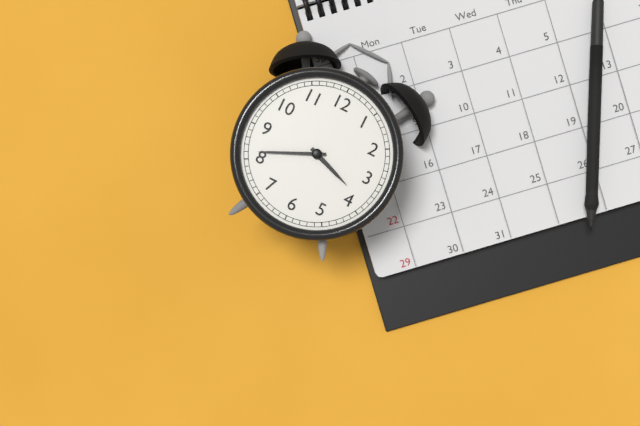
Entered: {"hour": 3, "minute": 41}
